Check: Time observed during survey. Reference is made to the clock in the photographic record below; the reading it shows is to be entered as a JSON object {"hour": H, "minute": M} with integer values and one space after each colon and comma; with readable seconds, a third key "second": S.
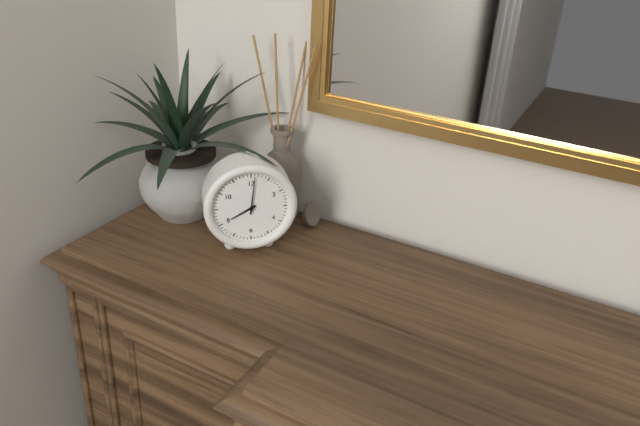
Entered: {"hour": 8, "minute": 1}
